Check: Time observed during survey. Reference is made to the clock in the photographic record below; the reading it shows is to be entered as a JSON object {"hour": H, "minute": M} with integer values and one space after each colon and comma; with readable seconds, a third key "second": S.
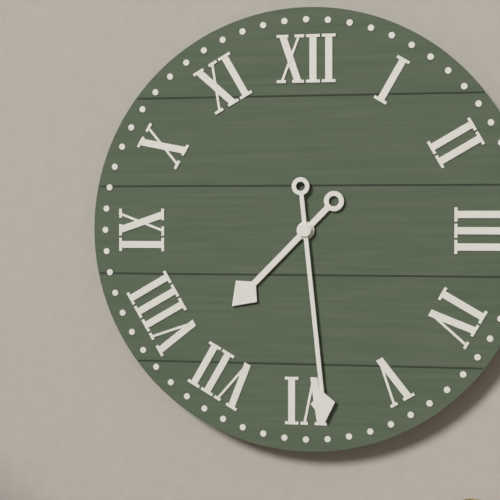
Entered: {"hour": 7, "minute": 29}
